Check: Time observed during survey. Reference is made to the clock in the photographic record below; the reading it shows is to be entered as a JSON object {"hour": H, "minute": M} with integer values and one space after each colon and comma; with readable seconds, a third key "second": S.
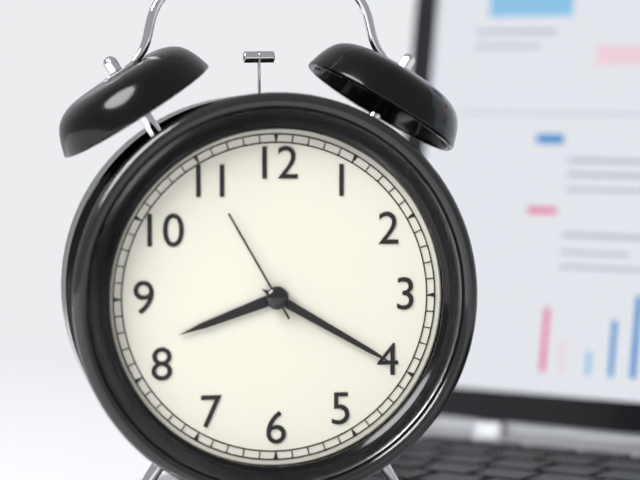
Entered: {"hour": 8, "minute": 20, "second": 55}
